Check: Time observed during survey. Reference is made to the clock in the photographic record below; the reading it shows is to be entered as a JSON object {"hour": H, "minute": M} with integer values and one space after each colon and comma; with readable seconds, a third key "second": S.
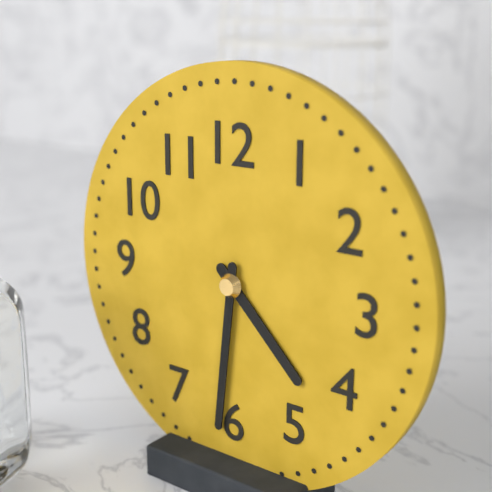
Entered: {"hour": 4, "minute": 31}
